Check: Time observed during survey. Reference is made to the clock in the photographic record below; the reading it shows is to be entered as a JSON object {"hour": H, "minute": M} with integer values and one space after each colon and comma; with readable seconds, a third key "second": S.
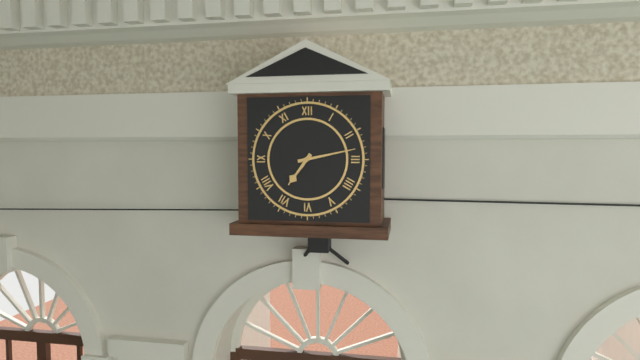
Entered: {"hour": 7, "minute": 13}
